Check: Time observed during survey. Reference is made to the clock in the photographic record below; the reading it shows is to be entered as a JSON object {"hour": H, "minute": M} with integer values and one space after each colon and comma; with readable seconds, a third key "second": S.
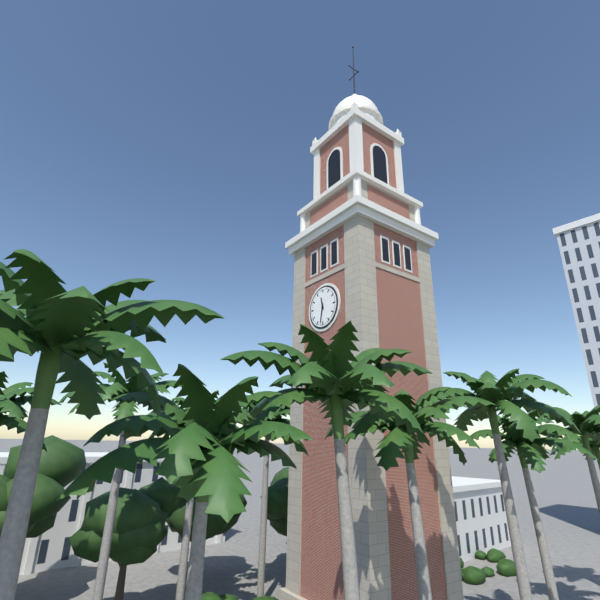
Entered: {"hour": 11, "minute": 32}
